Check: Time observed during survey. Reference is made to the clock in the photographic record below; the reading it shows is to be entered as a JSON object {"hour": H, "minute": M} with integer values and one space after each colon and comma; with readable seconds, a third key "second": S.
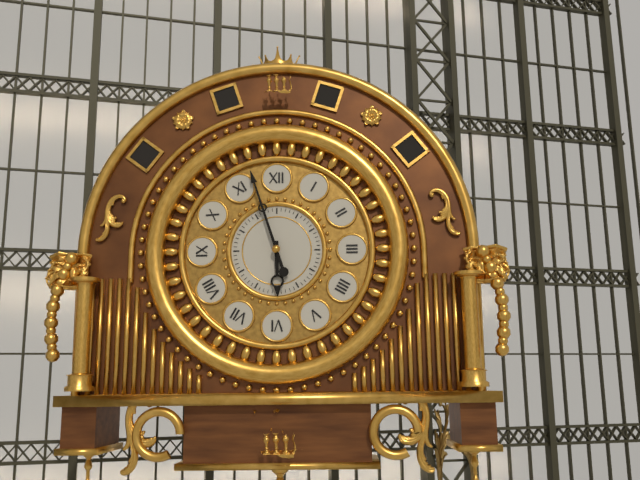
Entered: {"hour": 5, "minute": 57}
